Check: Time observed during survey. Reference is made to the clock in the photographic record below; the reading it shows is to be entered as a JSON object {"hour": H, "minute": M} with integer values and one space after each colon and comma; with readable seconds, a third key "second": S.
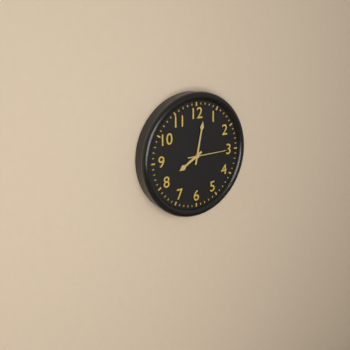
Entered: {"hour": 8, "minute": 2}
